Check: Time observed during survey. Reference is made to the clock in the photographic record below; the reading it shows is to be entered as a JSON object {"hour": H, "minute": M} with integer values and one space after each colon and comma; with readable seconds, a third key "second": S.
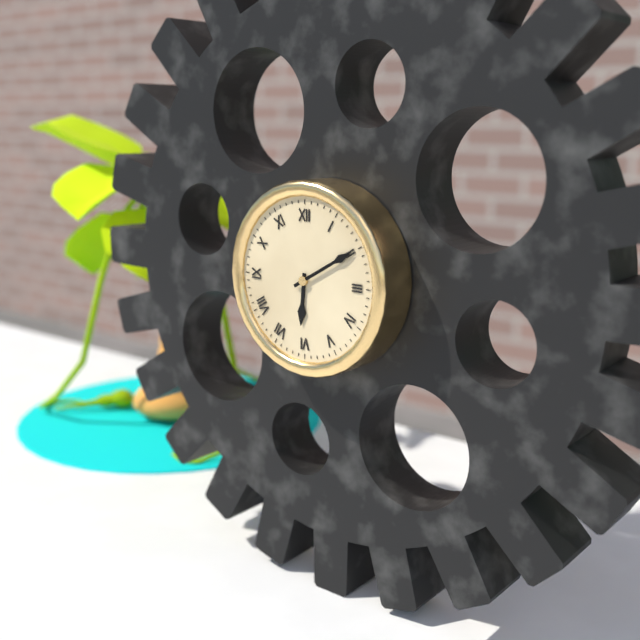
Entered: {"hour": 6, "minute": 10}
